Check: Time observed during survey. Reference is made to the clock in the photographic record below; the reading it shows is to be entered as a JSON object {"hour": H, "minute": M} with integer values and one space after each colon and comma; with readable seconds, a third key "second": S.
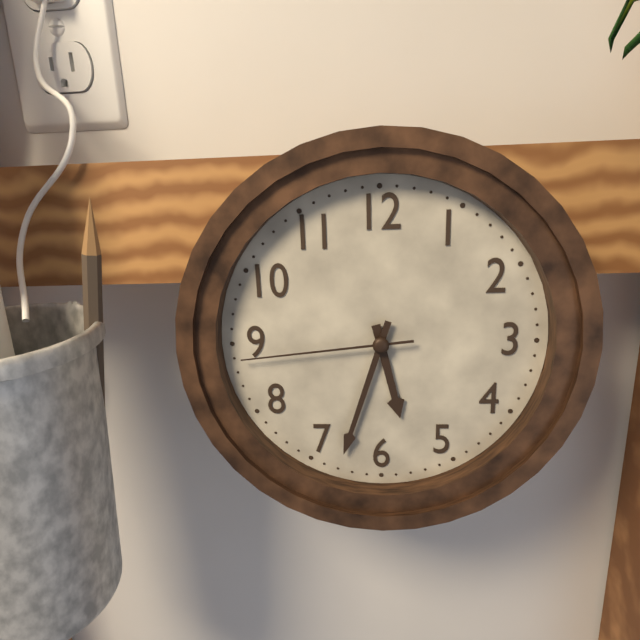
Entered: {"hour": 5, "minute": 33, "second": 44}
